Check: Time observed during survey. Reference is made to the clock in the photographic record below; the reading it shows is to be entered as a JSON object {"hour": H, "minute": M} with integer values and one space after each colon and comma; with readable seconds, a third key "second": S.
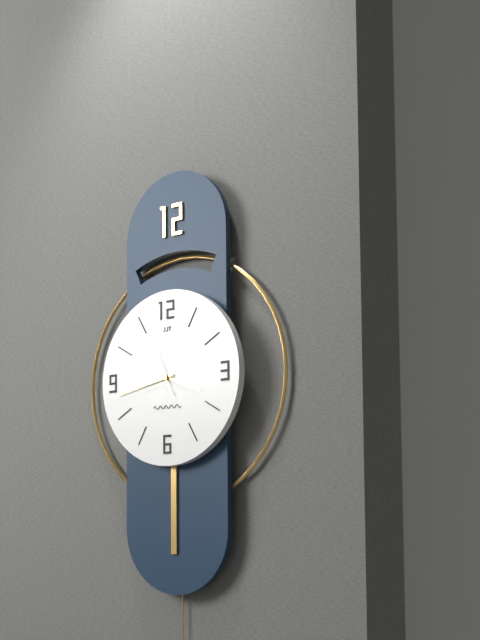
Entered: {"hour": 3, "minute": 43, "second": 56}
